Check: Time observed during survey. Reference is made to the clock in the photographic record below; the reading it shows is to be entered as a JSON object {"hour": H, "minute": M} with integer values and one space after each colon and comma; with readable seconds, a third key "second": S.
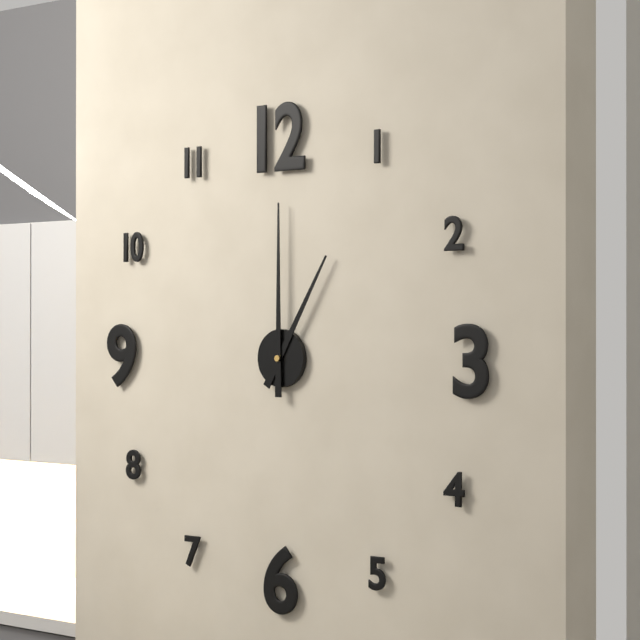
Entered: {"hour": 1, "minute": 0}
